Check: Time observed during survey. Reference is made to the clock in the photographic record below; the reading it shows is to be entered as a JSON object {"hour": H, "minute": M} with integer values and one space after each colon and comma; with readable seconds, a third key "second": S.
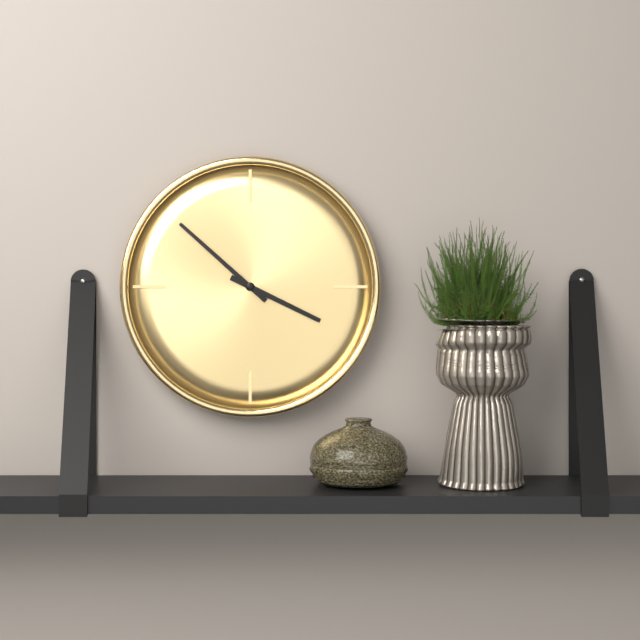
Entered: {"hour": 3, "minute": 52}
